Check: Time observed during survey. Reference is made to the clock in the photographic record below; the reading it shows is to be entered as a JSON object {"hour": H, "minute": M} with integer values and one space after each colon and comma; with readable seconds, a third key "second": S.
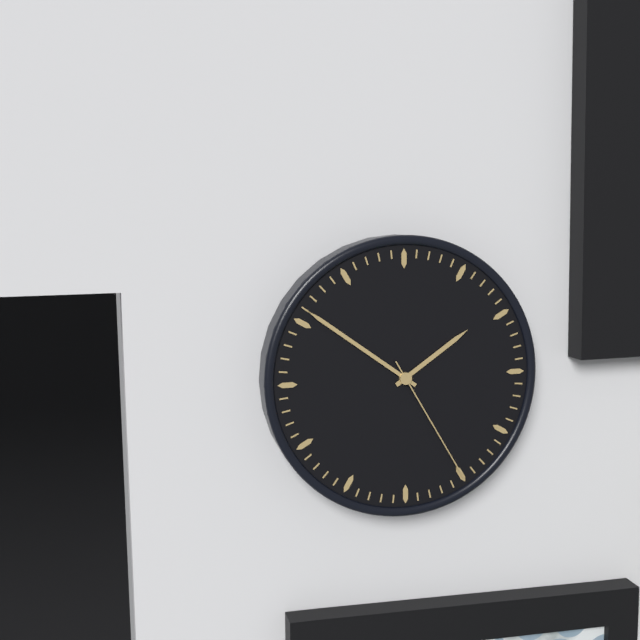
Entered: {"hour": 1, "minute": 51, "second": 25}
